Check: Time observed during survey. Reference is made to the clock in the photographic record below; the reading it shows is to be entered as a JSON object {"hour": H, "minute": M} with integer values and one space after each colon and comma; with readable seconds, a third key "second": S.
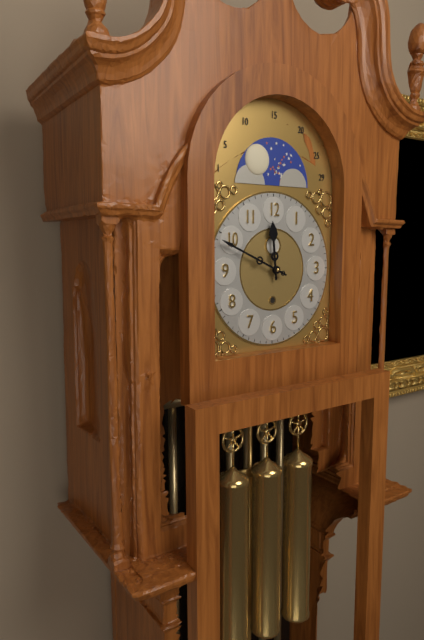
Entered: {"hour": 11, "minute": 49}
